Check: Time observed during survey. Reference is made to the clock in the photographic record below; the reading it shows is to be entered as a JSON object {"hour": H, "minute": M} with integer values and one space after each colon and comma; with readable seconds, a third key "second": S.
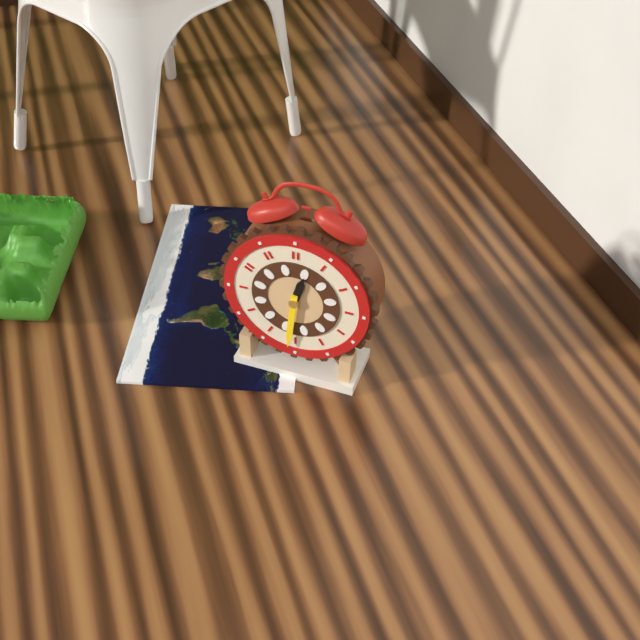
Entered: {"hour": 12, "minute": 31}
